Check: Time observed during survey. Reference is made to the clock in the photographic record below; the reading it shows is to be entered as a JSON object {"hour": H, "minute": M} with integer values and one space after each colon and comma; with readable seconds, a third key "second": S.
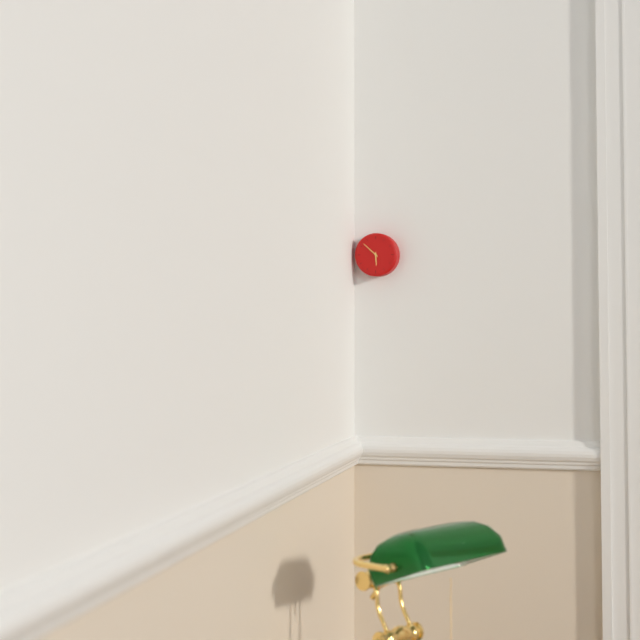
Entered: {"hour": 5, "minute": 52}
